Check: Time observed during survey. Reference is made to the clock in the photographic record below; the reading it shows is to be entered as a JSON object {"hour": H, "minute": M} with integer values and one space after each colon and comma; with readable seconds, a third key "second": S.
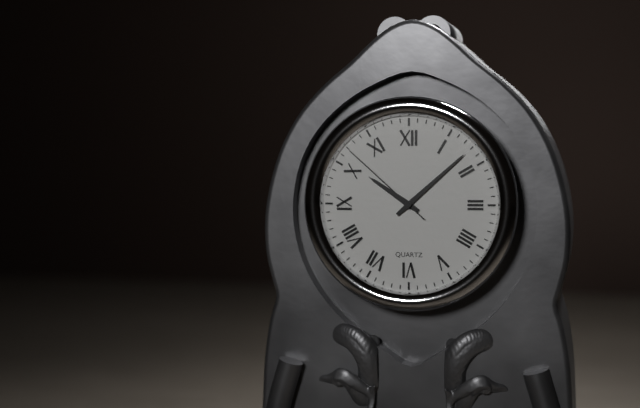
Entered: {"hour": 10, "minute": 8, "second": 52}
